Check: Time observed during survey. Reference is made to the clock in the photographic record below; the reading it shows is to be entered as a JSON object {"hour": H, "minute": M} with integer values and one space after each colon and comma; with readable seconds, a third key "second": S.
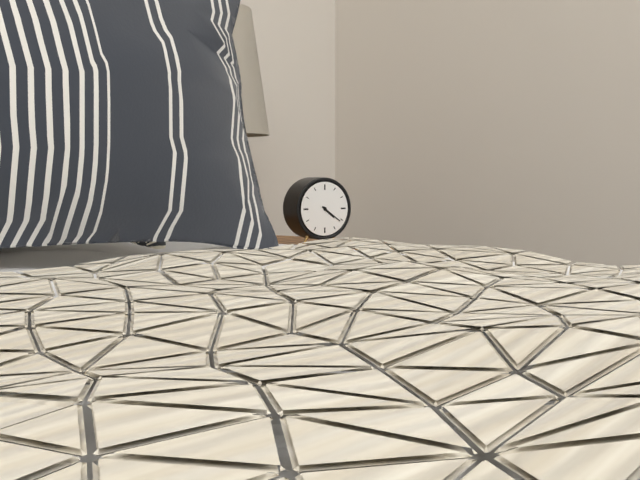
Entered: {"hour": 4, "minute": 21}
